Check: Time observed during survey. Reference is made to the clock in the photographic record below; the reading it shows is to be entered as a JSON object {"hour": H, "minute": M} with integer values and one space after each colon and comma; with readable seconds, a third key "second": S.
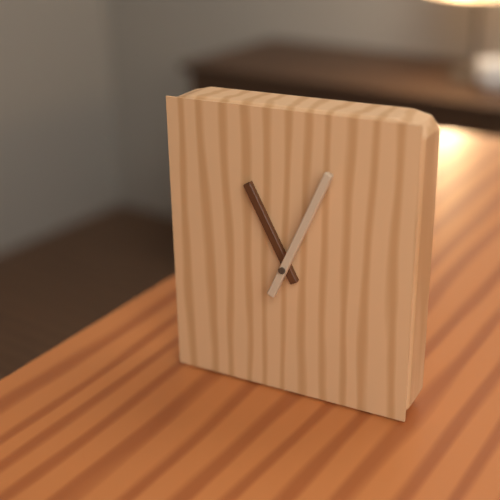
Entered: {"hour": 11, "minute": 4}
